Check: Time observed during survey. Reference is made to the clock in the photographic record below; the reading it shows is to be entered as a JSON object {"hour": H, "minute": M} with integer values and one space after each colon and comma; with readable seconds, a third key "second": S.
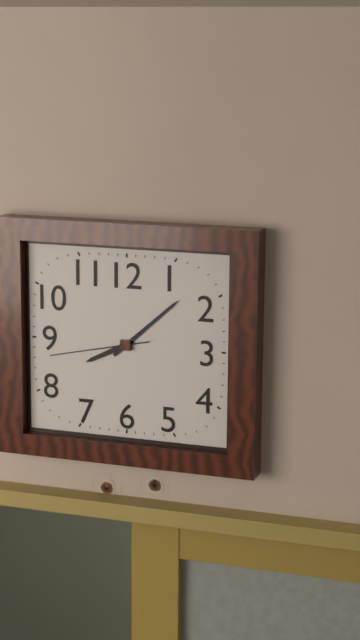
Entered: {"hour": 8, "minute": 8, "second": 43}
